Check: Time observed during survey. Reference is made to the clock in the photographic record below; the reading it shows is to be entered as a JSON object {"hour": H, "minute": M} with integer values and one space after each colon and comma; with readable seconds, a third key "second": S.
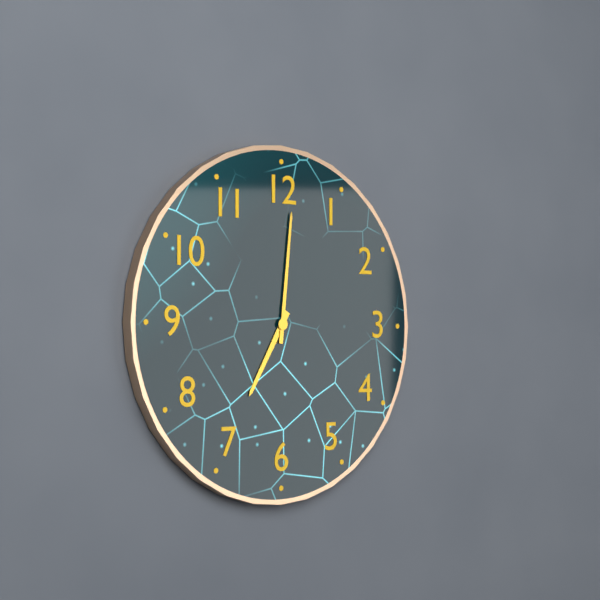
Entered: {"hour": 7, "minute": 1}
